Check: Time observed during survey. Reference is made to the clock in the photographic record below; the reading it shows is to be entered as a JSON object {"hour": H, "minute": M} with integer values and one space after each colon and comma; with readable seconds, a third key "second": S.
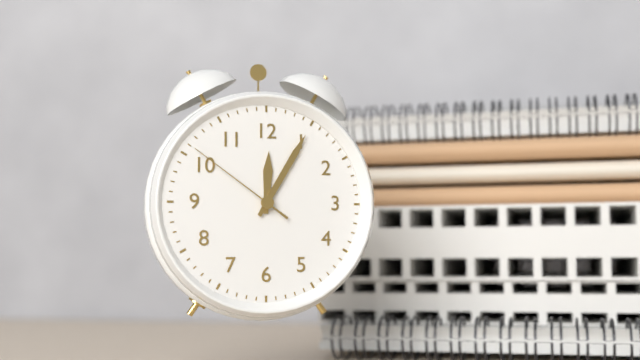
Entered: {"hour": 12, "minute": 5, "second": 51}
